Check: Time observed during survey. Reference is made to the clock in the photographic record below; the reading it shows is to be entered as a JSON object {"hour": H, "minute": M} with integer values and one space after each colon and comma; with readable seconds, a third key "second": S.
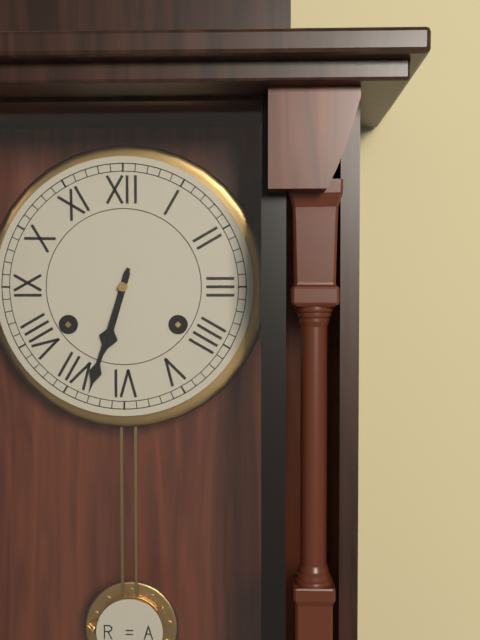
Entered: {"hour": 6, "minute": 33}
